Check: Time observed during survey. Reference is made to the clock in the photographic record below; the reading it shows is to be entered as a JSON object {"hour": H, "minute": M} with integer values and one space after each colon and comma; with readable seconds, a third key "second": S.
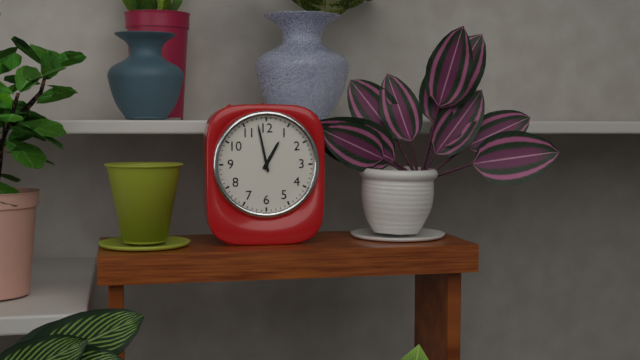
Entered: {"hour": 12, "minute": 58}
